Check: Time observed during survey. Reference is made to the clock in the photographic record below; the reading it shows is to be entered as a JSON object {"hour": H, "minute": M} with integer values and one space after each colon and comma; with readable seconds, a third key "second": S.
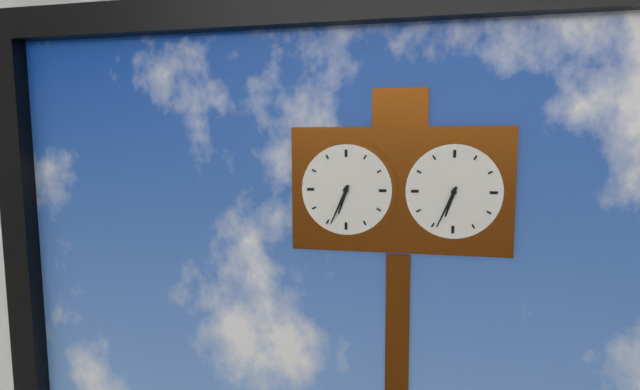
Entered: {"hour": 6, "minute": 34}
